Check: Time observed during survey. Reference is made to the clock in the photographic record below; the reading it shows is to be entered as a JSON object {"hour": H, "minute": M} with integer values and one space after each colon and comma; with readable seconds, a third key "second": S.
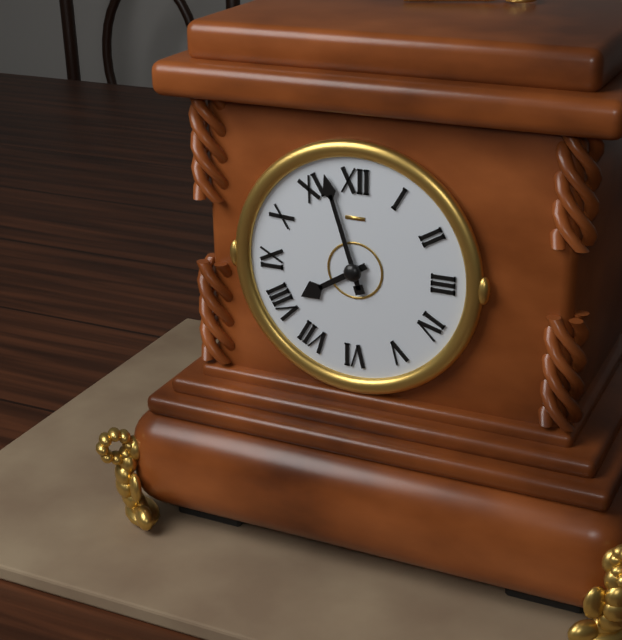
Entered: {"hour": 7, "minute": 57}
